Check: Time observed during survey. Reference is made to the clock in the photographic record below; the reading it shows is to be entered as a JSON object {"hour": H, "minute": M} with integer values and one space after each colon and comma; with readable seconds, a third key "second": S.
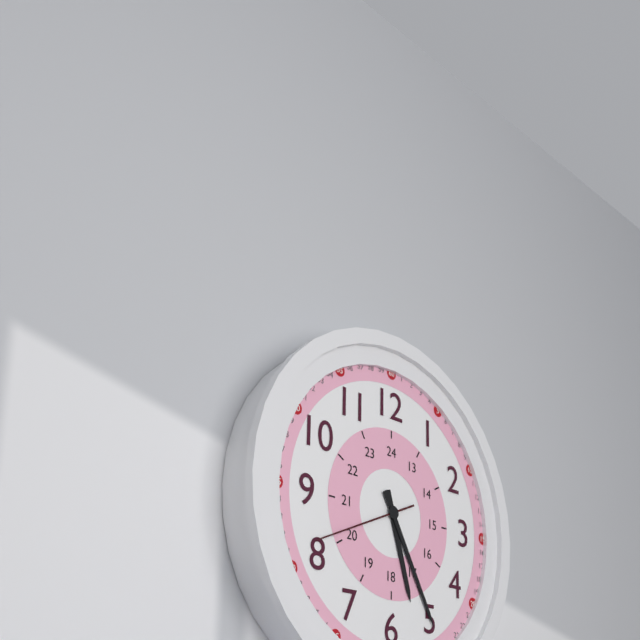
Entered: {"hour": 5, "minute": 25, "second": 41}
